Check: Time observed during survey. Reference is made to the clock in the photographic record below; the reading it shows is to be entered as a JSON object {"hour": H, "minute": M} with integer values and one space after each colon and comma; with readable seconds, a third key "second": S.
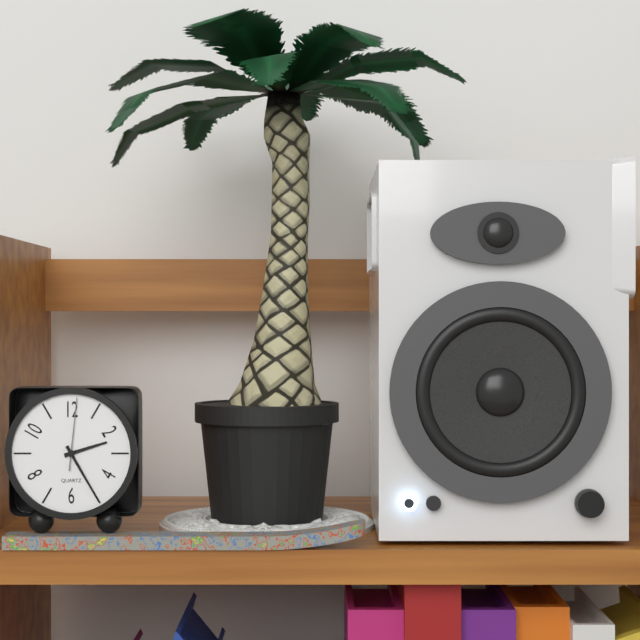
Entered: {"hour": 2, "minute": 25, "second": 1}
